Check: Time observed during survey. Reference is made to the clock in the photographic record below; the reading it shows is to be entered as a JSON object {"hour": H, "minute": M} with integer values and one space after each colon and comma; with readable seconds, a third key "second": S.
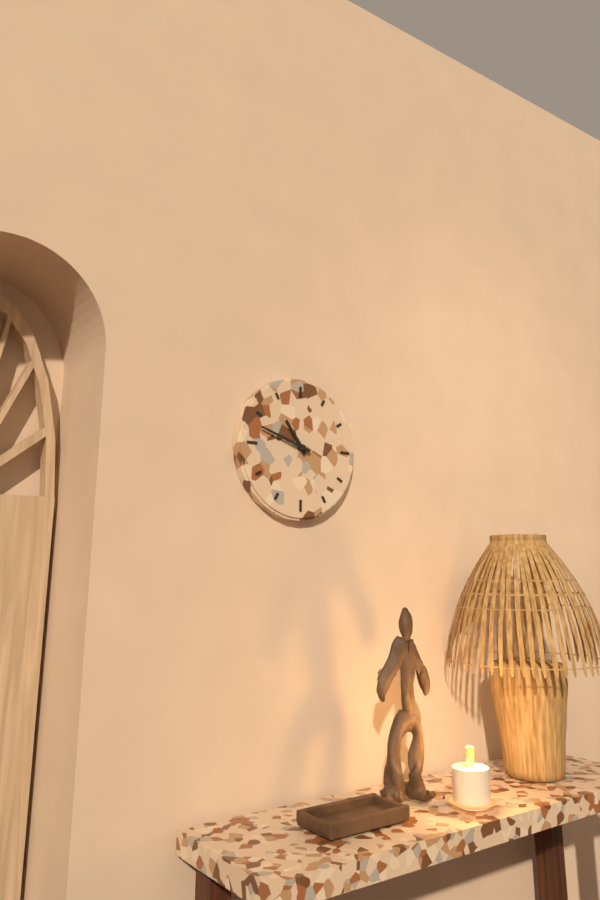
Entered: {"hour": 10, "minute": 48}
